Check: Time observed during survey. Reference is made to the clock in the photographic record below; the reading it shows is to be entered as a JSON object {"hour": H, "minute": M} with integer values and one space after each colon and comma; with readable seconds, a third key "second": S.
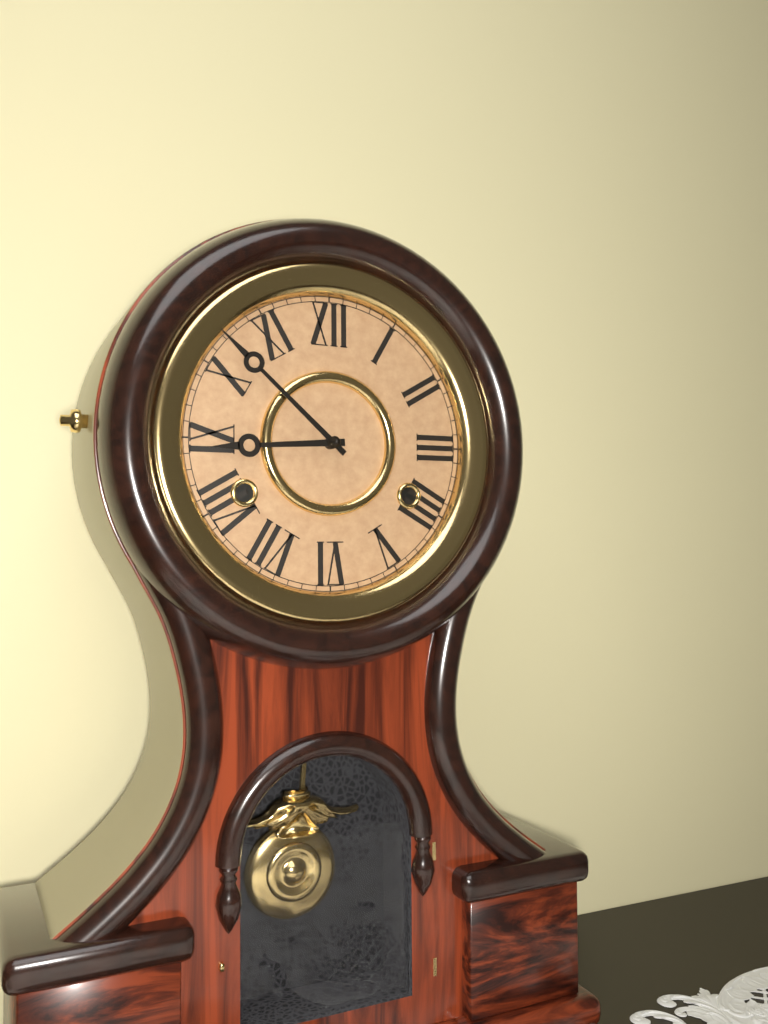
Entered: {"hour": 8, "minute": 52}
